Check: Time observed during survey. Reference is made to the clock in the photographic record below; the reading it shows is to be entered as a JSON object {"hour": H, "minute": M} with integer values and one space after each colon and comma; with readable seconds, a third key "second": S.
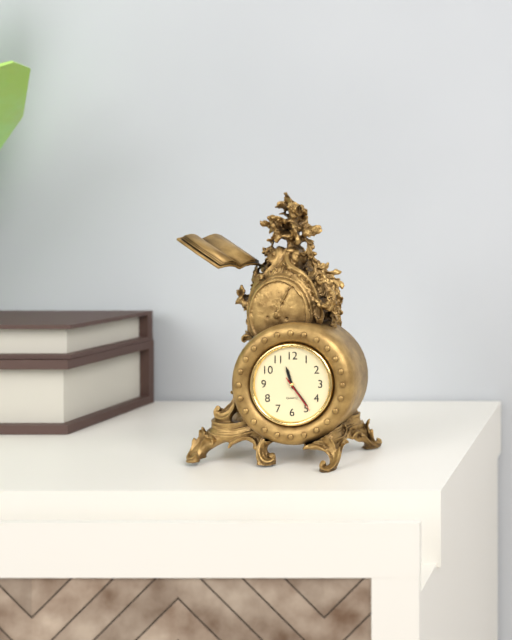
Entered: {"hour": 11, "minute": 24}
